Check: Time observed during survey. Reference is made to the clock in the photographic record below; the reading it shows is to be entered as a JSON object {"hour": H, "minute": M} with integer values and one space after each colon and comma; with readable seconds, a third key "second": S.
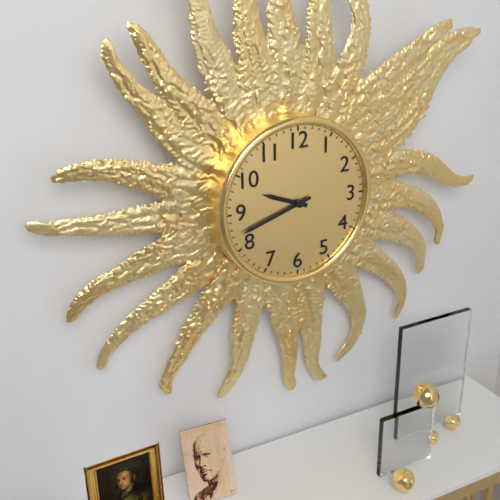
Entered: {"hour": 9, "minute": 42}
